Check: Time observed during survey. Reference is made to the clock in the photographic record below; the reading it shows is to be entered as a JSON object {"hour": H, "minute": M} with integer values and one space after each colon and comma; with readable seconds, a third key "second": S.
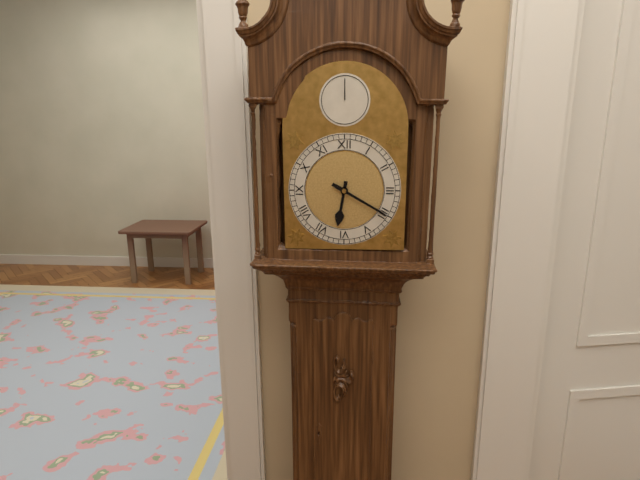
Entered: {"hour": 6, "minute": 20}
